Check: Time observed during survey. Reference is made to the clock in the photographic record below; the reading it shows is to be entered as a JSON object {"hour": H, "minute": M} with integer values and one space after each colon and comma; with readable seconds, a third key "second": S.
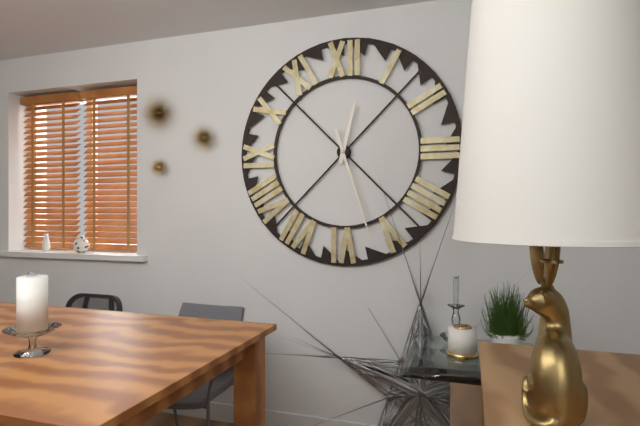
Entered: {"hour": 12, "minute": 27}
